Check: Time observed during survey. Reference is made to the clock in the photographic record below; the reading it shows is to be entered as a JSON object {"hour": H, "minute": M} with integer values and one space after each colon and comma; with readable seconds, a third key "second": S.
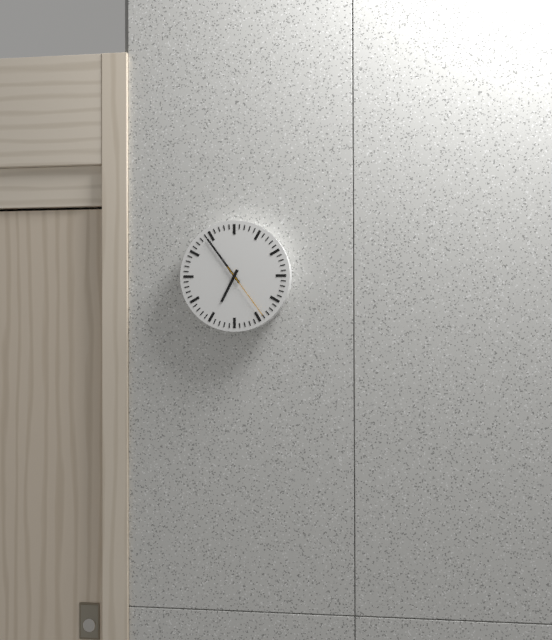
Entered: {"hour": 6, "minute": 54, "second": 24}
